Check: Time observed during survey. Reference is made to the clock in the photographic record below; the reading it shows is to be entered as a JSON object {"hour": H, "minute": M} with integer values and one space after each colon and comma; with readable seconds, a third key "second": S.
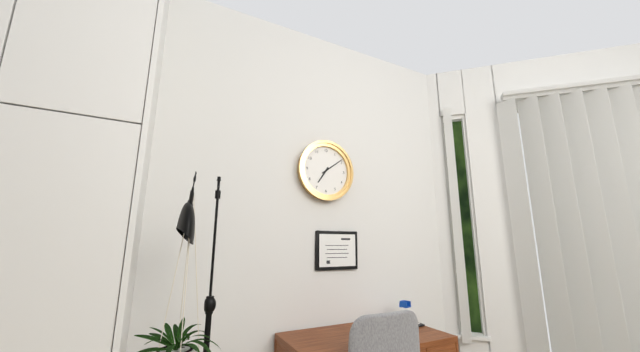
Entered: {"hour": 7, "minute": 9}
